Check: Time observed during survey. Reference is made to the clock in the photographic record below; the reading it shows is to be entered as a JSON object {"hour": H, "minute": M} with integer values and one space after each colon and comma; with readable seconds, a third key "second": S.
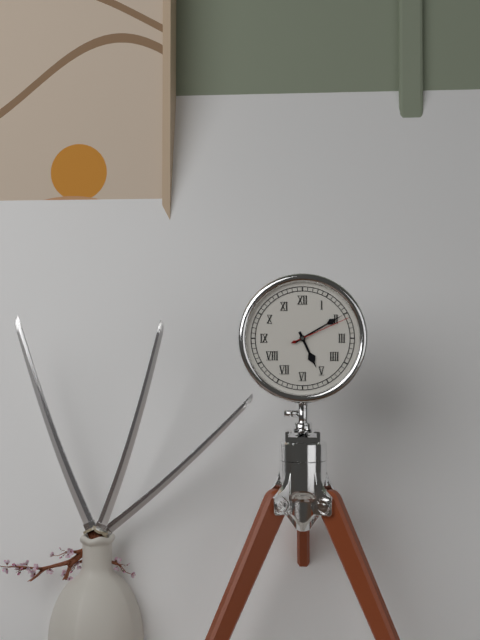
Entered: {"hour": 5, "minute": 10, "second": 11}
